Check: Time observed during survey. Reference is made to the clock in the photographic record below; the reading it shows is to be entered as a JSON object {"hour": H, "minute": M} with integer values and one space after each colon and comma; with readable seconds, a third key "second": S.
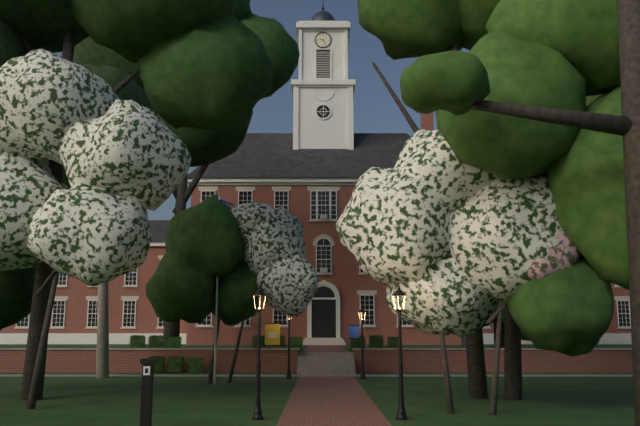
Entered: {"hour": 9, "minute": 26}
